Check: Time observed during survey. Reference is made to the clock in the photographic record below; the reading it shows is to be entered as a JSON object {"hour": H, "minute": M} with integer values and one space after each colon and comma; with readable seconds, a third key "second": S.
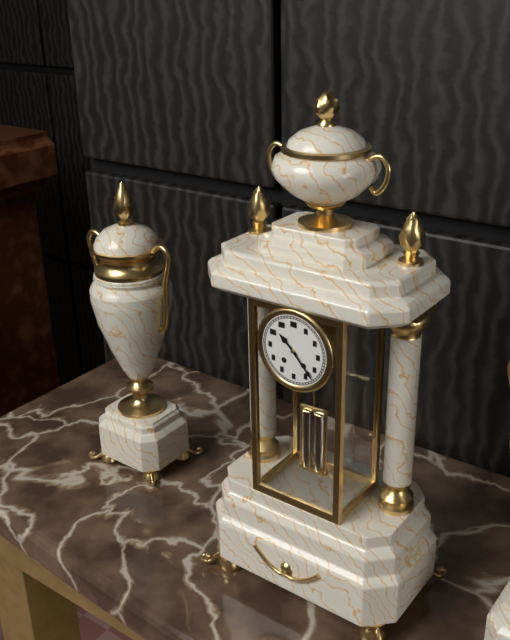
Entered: {"hour": 10, "minute": 23}
